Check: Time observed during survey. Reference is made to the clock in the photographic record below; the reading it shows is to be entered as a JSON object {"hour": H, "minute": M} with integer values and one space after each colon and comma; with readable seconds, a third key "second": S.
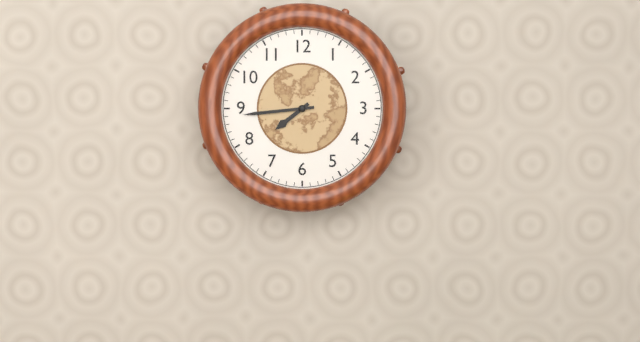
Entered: {"hour": 7, "minute": 44}
